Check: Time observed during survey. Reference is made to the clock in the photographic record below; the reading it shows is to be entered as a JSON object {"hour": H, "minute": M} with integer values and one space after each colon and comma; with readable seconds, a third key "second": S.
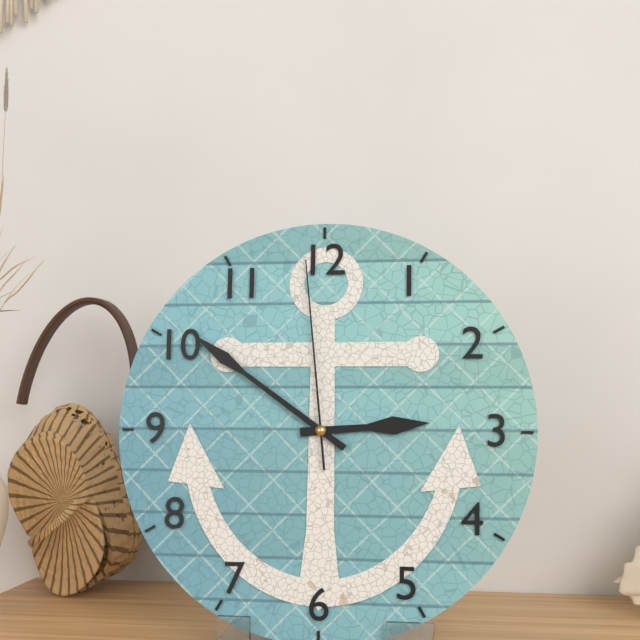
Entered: {"hour": 2, "minute": 51, "second": 59}
